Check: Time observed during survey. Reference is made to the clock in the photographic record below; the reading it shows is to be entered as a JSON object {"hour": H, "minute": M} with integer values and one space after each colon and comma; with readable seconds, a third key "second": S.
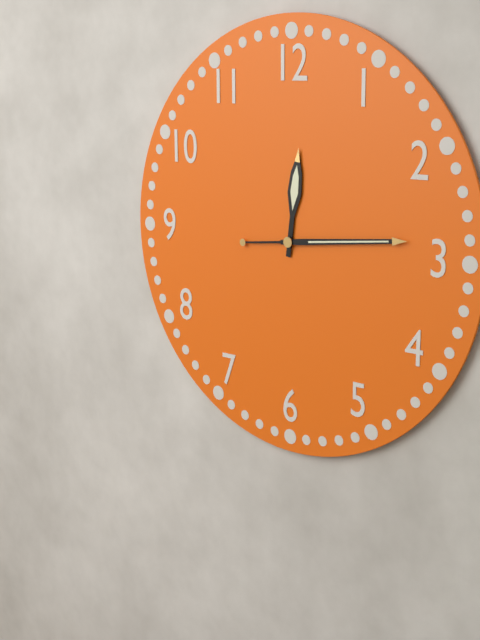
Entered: {"hour": 12, "minute": 14}
